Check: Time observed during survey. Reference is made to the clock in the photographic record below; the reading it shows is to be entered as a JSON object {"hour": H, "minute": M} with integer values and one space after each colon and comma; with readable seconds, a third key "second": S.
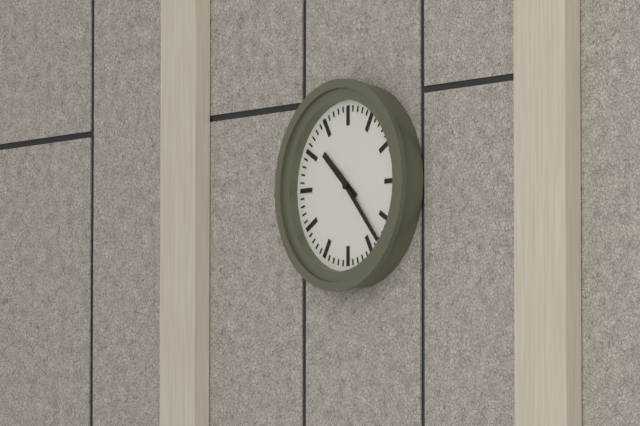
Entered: {"hour": 10, "minute": 23}
